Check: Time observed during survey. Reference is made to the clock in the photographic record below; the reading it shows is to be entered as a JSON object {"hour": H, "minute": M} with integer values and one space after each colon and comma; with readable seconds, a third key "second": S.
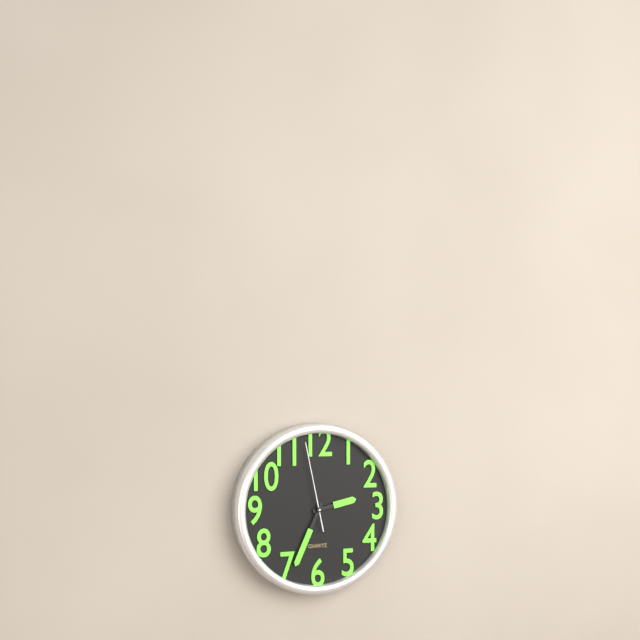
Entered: {"hour": 2, "minute": 34, "second": 58}
